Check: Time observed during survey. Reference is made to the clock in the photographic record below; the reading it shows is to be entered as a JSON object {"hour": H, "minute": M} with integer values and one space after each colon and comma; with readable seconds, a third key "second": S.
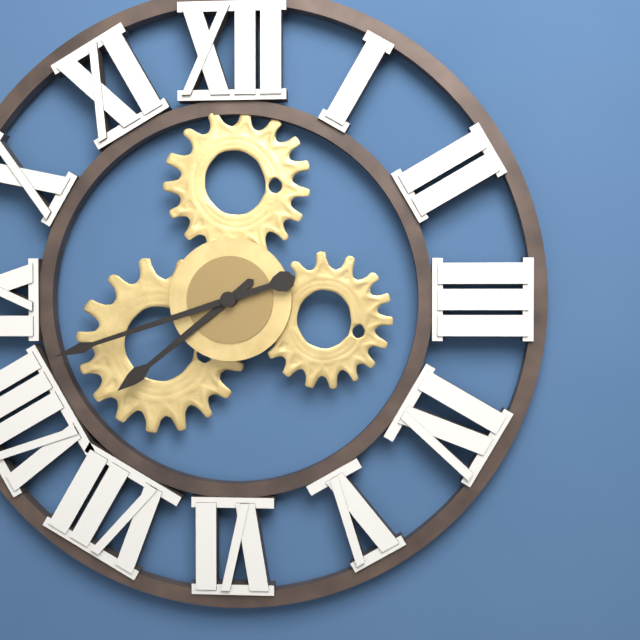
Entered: {"hour": 7, "minute": 42}
